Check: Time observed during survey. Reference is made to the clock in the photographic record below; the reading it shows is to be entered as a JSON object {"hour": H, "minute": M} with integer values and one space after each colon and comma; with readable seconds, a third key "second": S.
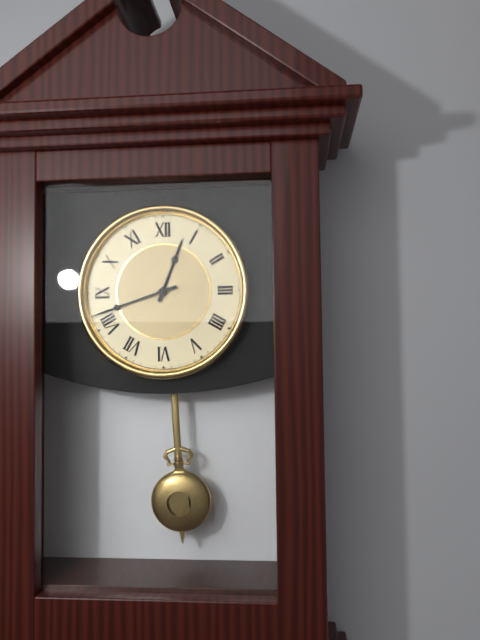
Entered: {"hour": 12, "minute": 42}
